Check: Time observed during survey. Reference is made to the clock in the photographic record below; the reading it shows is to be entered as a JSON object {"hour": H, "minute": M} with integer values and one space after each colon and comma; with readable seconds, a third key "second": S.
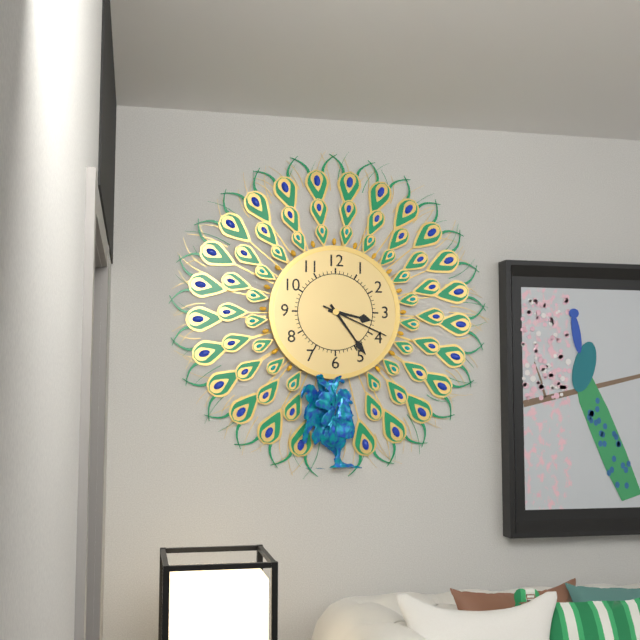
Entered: {"hour": 3, "minute": 24, "second": 19}
